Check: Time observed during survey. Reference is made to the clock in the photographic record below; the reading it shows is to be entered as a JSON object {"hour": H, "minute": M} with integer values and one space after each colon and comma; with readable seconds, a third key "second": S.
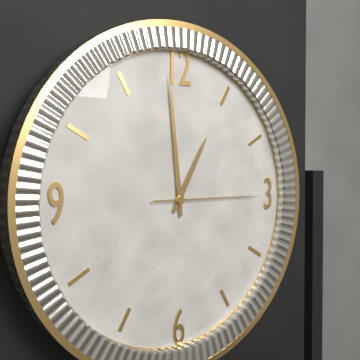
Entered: {"hour": 12, "minute": 59, "second": 15}
